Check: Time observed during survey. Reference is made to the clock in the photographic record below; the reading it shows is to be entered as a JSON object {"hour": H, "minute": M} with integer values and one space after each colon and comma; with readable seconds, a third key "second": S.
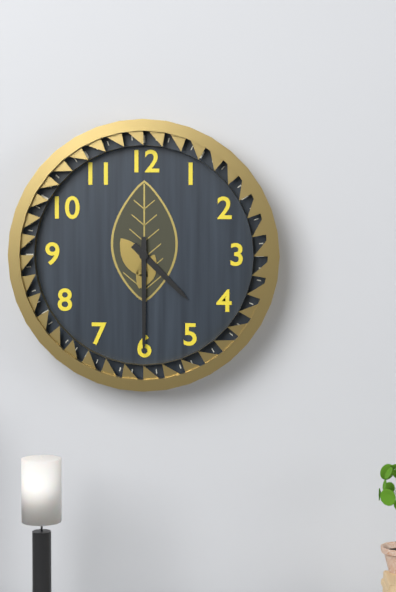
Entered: {"hour": 4, "minute": 30}
